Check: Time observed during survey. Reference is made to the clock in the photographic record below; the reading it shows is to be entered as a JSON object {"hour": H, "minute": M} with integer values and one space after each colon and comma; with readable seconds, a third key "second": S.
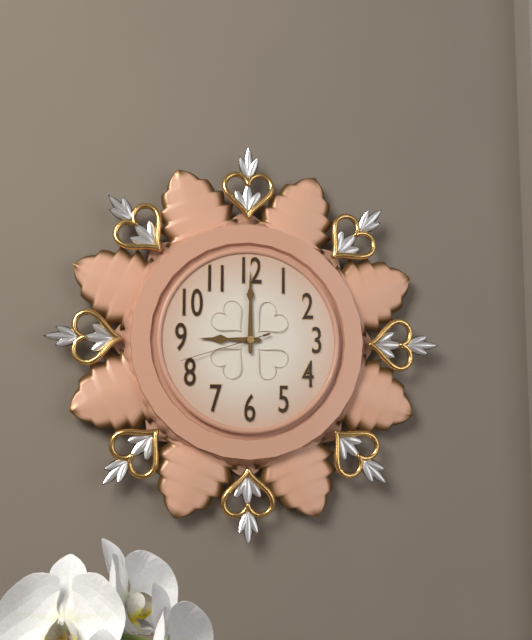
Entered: {"hour": 9, "minute": 0, "second": 42}
